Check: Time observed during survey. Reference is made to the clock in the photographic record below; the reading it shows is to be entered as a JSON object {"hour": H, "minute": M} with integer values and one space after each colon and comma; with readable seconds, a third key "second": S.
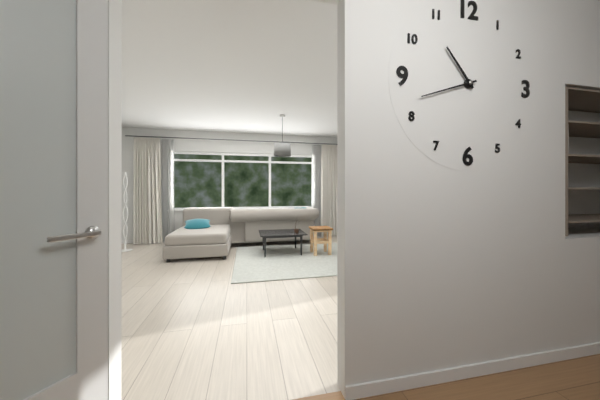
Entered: {"hour": 10, "minute": 42}
